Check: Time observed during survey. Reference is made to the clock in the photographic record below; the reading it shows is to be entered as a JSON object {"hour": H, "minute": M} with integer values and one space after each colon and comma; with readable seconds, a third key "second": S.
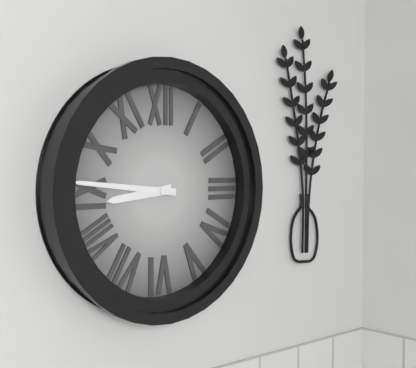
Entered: {"hour": 8, "minute": 46}
